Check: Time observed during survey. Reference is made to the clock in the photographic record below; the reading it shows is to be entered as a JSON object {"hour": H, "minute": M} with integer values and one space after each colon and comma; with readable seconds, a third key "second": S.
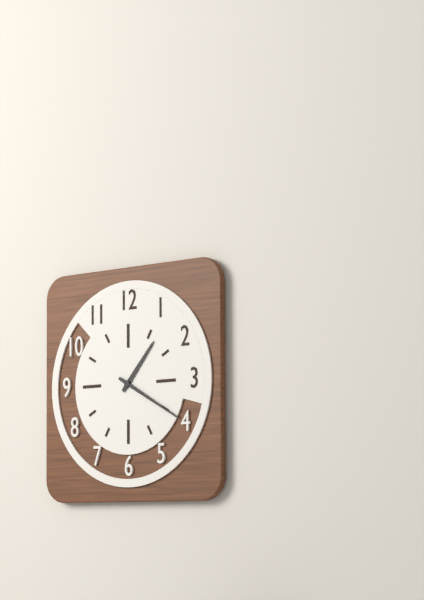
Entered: {"hour": 1, "minute": 20}
